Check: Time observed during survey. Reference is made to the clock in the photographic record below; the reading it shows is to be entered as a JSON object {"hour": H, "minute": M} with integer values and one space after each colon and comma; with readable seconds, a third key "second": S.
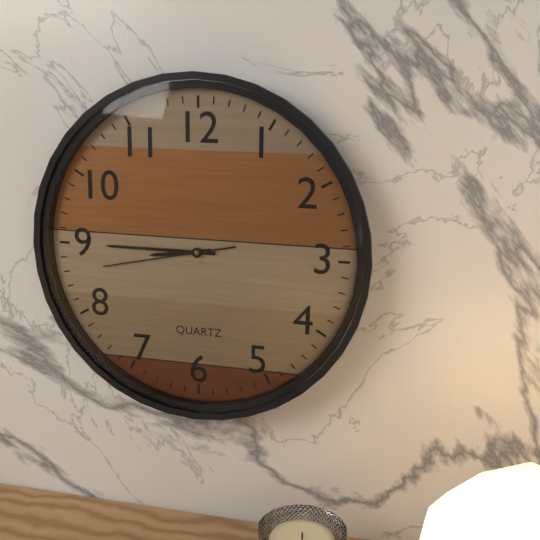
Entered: {"hour": 8, "minute": 45, "second": 43}
